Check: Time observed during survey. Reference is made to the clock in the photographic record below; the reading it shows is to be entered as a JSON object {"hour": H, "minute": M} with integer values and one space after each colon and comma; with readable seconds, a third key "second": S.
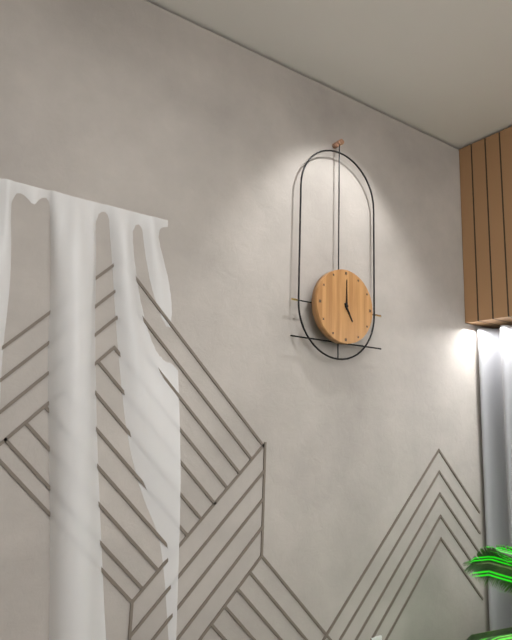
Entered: {"hour": 5, "minute": 0}
